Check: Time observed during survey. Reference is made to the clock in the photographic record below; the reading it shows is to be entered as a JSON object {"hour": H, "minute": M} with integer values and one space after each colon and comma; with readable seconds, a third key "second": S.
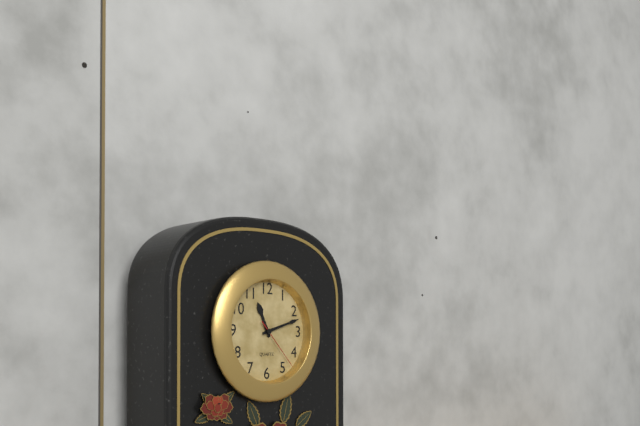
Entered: {"hour": 11, "minute": 12, "second": 23}
